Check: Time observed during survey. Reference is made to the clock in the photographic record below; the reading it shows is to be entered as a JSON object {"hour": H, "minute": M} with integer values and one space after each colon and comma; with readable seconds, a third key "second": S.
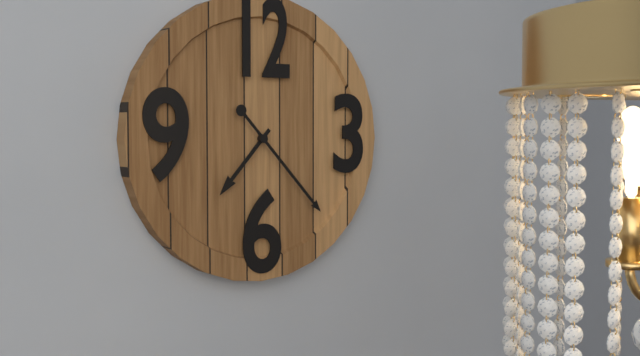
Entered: {"hour": 7, "minute": 23}
